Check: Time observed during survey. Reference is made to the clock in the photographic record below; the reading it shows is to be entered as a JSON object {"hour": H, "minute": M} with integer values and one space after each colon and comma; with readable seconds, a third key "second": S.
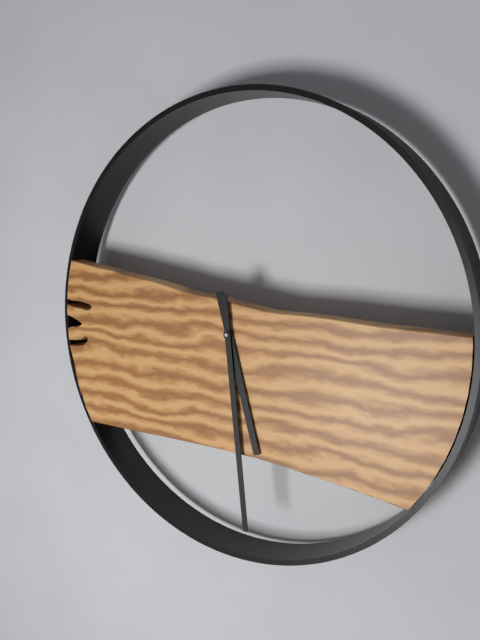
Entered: {"hour": 5, "minute": 29}
